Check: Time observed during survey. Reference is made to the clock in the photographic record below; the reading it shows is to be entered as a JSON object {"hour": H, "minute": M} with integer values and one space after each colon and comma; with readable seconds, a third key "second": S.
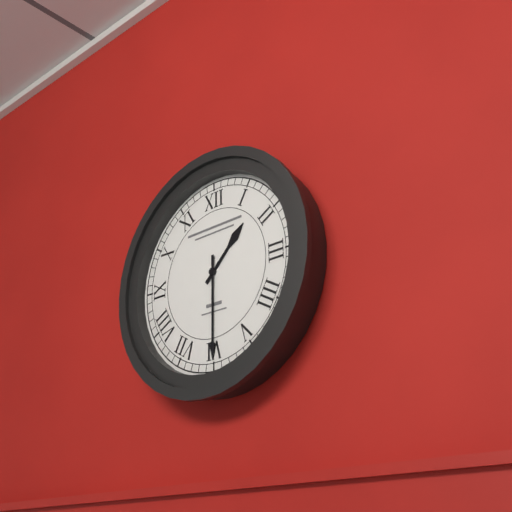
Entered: {"hour": 1, "minute": 30}
